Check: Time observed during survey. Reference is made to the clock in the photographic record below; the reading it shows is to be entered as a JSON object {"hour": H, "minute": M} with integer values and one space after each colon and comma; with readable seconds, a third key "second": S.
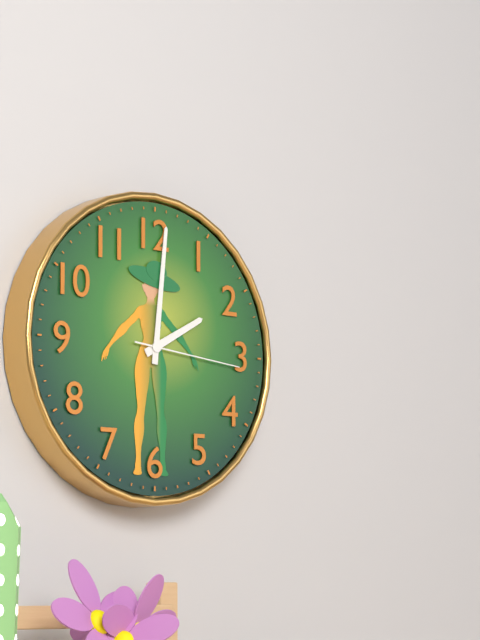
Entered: {"hour": 2, "minute": 1, "second": 16}
